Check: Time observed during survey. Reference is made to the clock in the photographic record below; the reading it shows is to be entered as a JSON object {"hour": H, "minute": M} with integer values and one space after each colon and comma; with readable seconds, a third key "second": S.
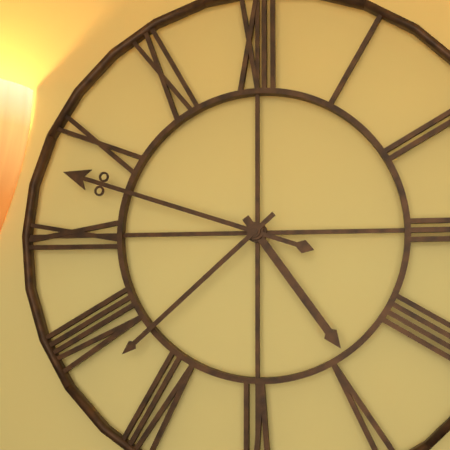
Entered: {"hour": 4, "minute": 48, "second": 38}
